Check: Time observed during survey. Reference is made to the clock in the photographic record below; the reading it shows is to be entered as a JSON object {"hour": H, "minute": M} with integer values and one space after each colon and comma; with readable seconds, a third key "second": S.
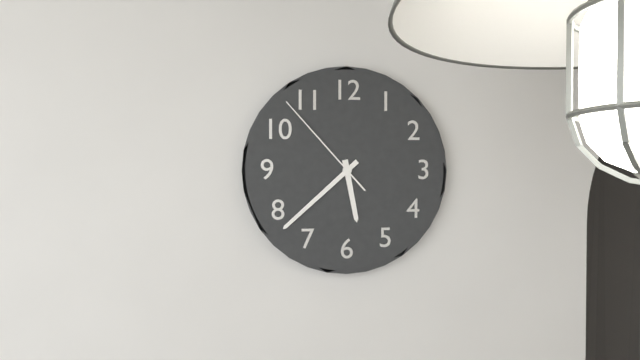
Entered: {"hour": 5, "minute": 38, "second": 53}
